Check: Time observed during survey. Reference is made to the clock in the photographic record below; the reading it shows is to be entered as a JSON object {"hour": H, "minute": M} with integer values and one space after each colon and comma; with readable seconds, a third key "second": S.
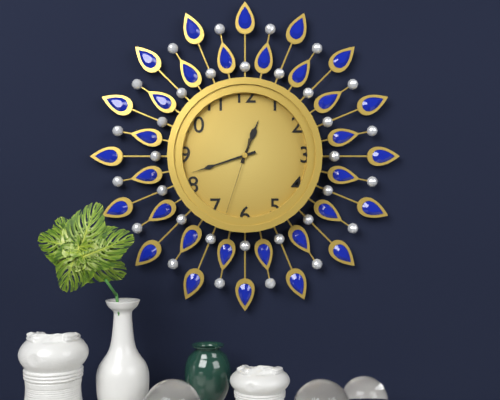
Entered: {"hour": 12, "minute": 42, "second": 33}
